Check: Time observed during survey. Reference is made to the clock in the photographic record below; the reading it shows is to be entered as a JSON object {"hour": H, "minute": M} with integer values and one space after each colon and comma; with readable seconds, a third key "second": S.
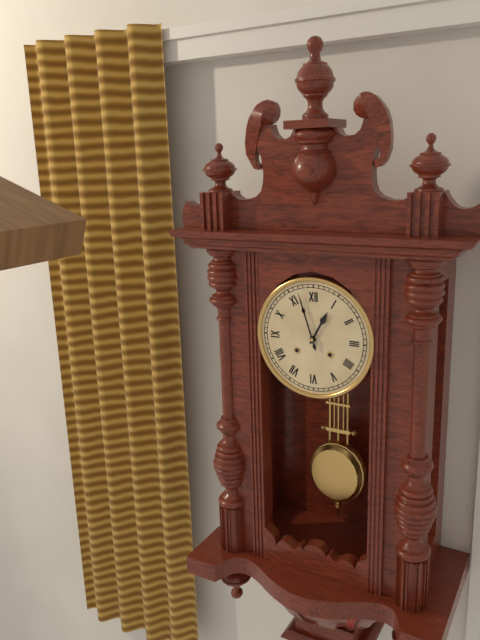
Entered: {"hour": 12, "minute": 57}
